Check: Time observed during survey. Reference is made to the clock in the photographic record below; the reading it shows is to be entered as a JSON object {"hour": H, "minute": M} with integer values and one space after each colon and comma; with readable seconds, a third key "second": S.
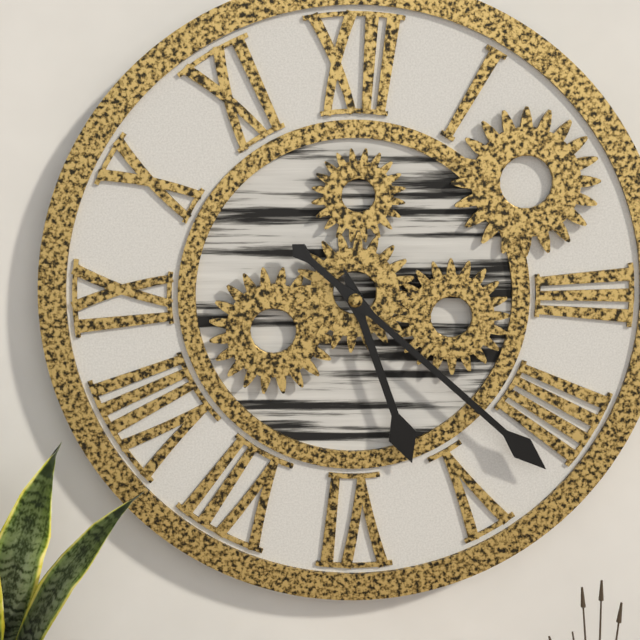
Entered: {"hour": 5, "minute": 22}
